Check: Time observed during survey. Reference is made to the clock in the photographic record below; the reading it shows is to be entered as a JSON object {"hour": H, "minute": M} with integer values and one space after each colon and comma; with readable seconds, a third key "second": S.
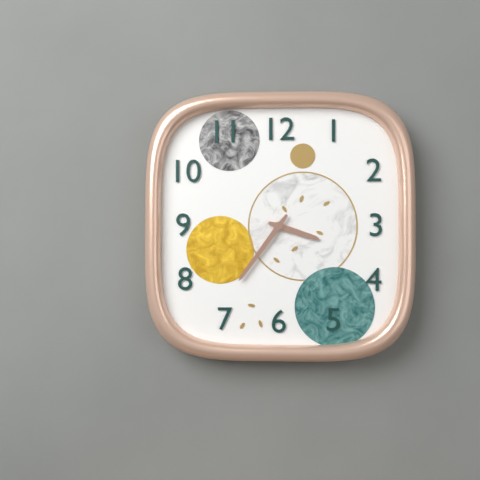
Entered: {"hour": 3, "minute": 36}
